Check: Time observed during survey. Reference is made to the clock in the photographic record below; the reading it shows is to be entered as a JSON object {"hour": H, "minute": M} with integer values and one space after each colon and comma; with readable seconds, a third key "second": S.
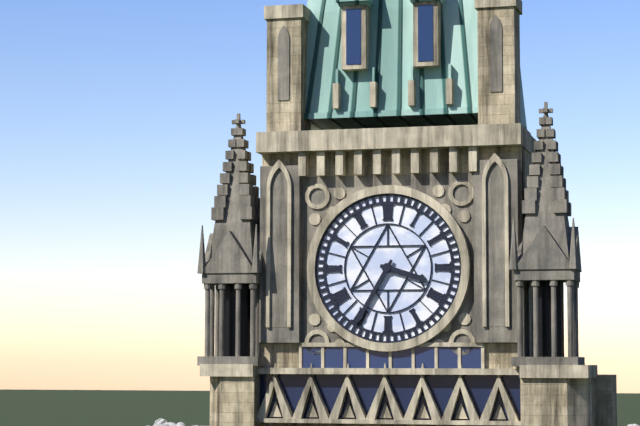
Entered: {"hour": 3, "minute": 35}
